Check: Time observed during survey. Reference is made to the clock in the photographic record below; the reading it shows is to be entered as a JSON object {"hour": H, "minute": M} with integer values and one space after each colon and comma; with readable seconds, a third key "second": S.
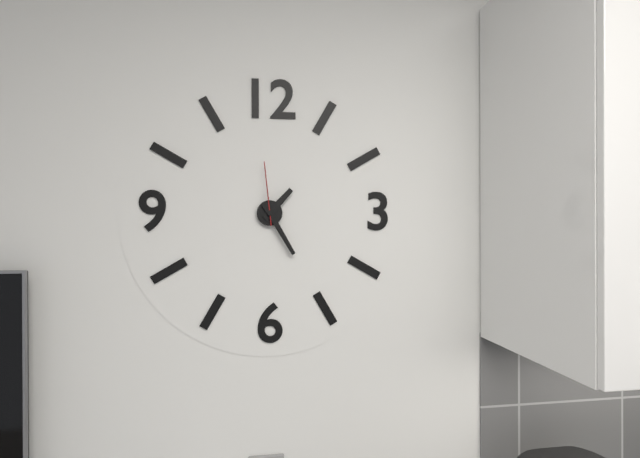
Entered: {"hour": 1, "minute": 25, "second": 59}
